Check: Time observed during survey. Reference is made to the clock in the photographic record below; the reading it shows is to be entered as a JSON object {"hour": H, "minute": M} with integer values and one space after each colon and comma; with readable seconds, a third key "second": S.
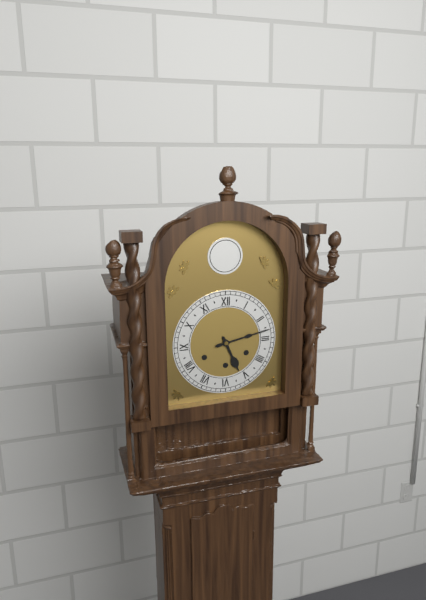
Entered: {"hour": 5, "minute": 13}
